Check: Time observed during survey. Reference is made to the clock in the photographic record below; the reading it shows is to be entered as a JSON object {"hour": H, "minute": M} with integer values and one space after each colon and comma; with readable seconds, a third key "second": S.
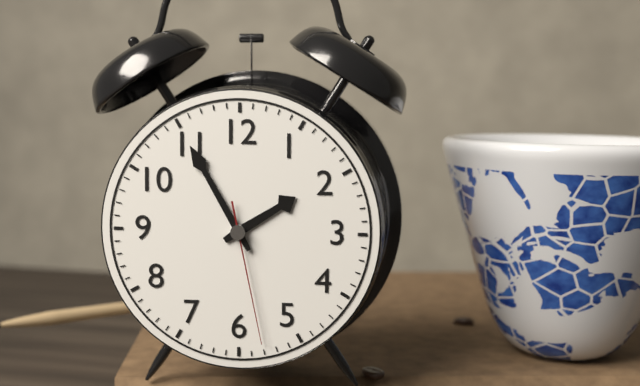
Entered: {"hour": 1, "minute": 55, "second": 28}
